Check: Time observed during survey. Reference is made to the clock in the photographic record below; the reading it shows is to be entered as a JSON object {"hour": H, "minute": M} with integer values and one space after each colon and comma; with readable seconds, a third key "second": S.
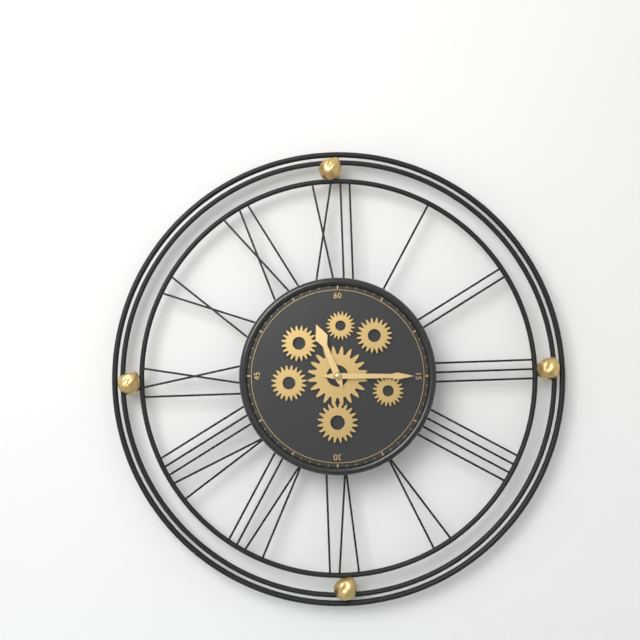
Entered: {"hour": 11, "minute": 15}
